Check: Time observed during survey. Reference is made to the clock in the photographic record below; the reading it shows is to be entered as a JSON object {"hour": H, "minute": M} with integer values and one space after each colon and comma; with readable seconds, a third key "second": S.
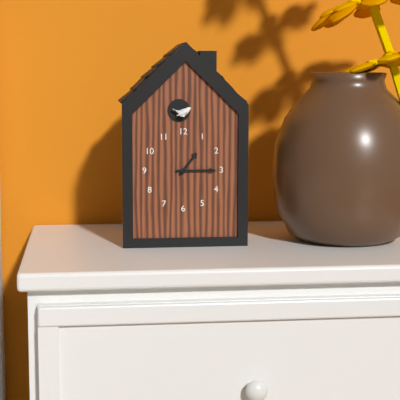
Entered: {"hour": 1, "minute": 15}
